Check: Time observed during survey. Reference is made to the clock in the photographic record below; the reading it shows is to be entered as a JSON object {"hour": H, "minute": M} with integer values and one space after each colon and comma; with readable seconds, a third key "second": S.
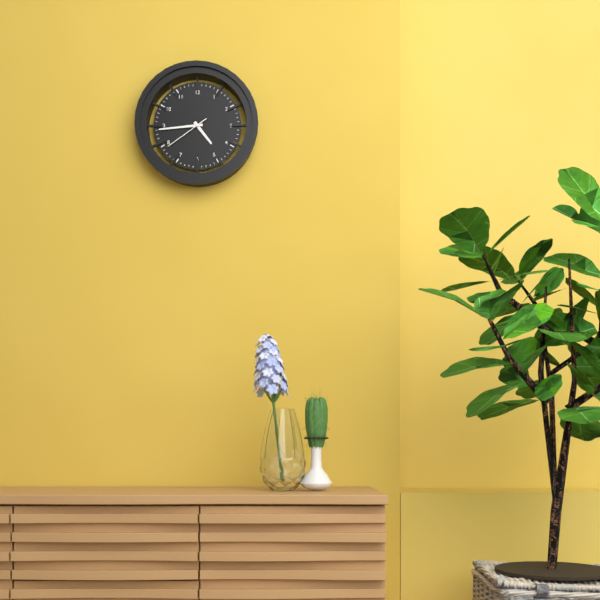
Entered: {"hour": 4, "minute": 44}
